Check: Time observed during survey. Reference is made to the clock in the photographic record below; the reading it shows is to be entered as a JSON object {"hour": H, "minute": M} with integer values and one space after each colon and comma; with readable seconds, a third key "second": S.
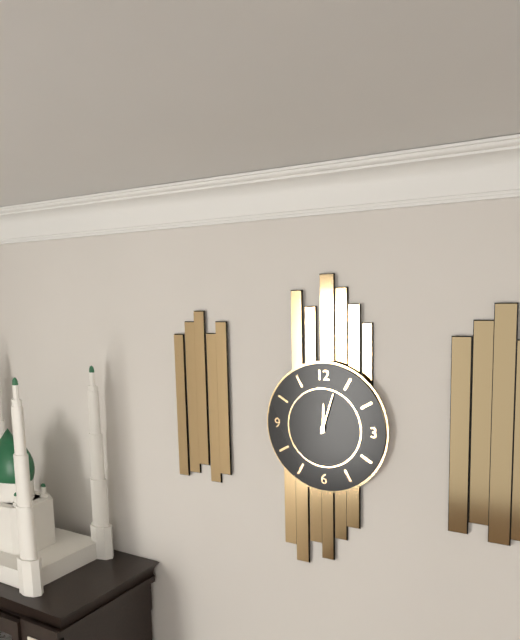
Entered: {"hour": 12, "minute": 3}
